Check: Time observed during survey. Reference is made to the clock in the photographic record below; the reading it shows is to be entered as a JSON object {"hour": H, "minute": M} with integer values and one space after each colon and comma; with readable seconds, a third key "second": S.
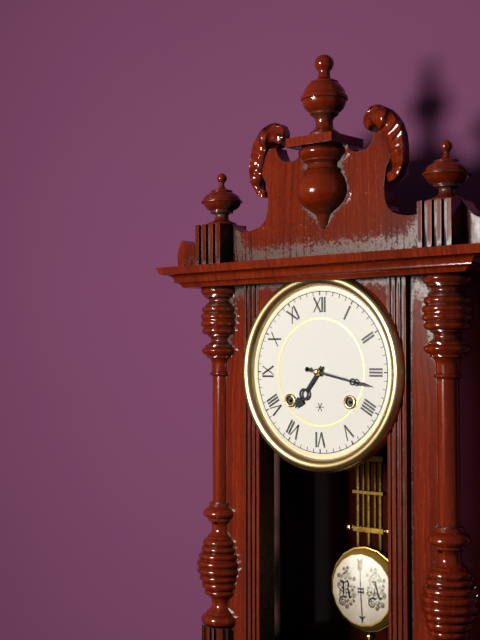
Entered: {"hour": 7, "minute": 17}
